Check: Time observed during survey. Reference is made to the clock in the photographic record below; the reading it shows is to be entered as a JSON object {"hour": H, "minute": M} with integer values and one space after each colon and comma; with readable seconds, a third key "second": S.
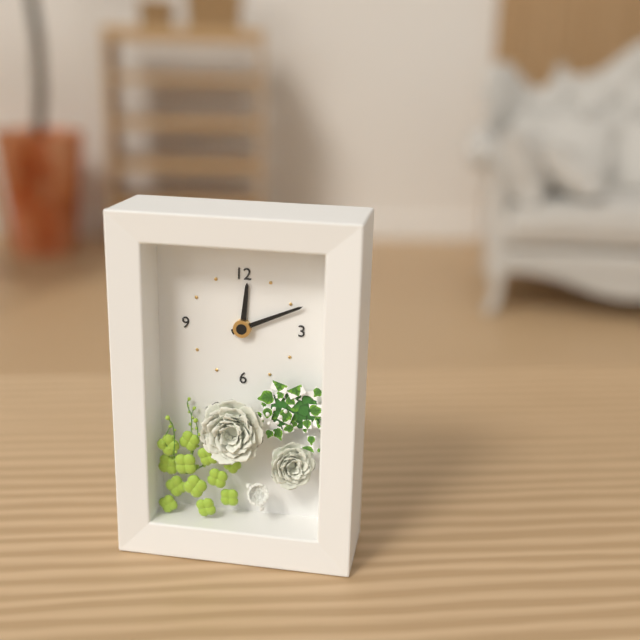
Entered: {"hour": 12, "minute": 11}
